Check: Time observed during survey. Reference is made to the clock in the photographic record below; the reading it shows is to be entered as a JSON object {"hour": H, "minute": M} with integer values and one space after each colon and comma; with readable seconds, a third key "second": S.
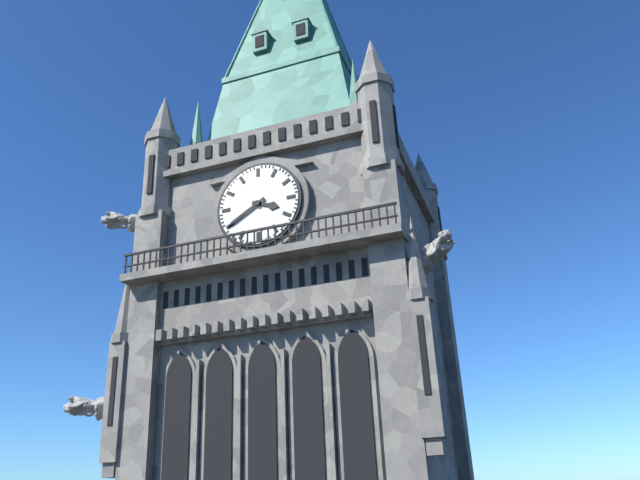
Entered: {"hour": 3, "minute": 40}
